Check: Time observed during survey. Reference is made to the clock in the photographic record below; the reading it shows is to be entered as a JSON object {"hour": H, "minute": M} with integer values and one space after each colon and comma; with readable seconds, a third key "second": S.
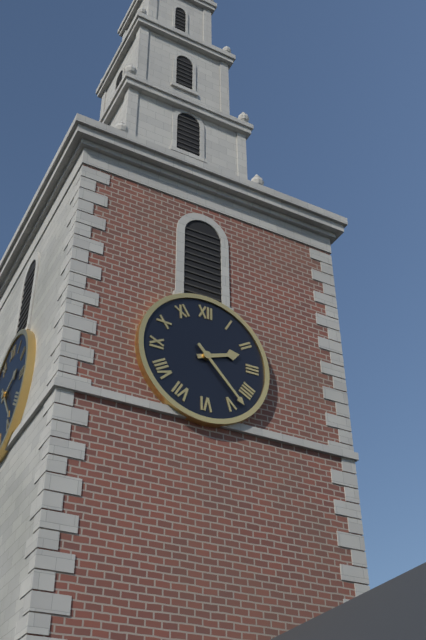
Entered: {"hour": 2, "minute": 23}
